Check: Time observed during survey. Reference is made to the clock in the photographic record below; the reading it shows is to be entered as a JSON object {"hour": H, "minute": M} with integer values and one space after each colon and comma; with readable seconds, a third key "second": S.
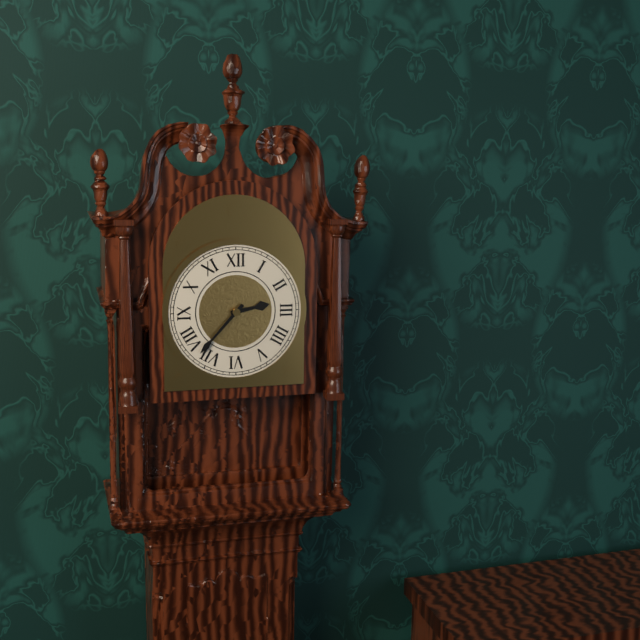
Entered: {"hour": 2, "minute": 37}
